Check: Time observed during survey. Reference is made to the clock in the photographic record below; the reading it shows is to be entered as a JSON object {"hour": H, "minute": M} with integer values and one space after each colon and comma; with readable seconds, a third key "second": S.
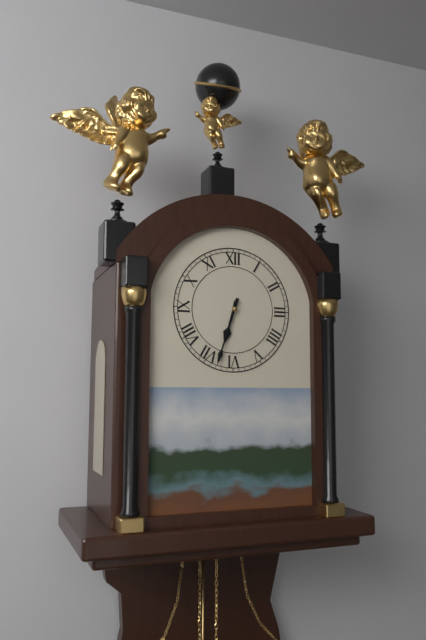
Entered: {"hour": 6, "minute": 33}
